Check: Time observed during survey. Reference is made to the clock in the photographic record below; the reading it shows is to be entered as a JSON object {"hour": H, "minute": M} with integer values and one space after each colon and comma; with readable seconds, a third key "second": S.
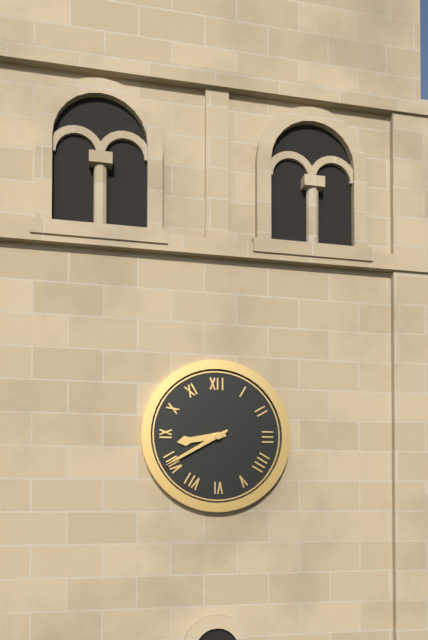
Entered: {"hour": 8, "minute": 40}
